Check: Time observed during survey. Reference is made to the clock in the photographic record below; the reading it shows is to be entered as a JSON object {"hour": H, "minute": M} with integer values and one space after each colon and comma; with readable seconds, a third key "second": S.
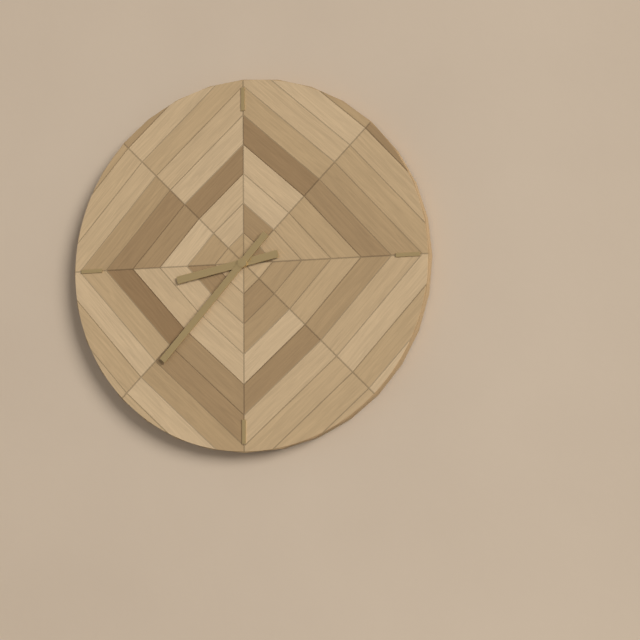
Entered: {"hour": 8, "minute": 37}
